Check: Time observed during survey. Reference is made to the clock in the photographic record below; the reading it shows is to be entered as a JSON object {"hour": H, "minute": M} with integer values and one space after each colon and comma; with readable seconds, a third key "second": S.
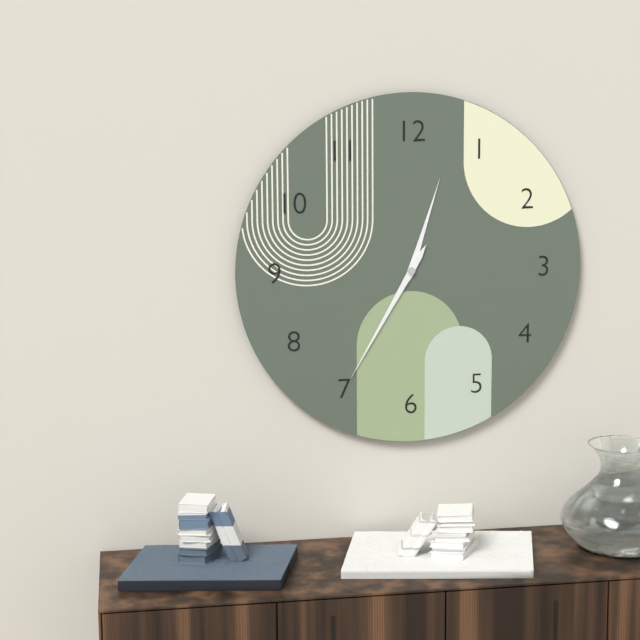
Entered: {"hour": 12, "minute": 35}
